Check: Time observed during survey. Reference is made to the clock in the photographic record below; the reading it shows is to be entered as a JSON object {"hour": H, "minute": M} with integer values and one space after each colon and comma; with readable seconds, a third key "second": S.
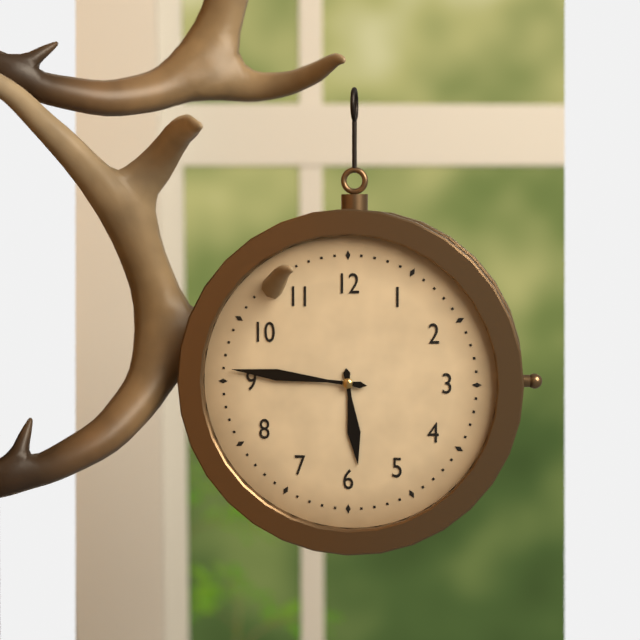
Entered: {"hour": 5, "minute": 46}
